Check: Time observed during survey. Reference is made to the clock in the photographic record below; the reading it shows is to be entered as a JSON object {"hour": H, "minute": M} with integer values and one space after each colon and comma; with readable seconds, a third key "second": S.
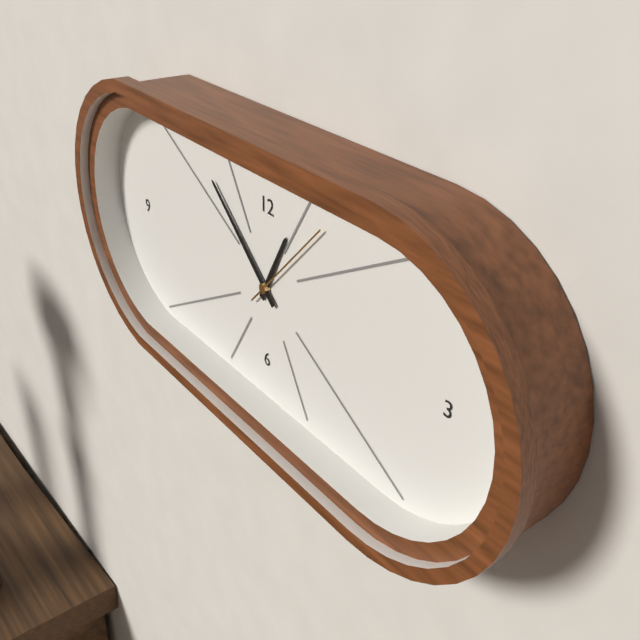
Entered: {"hour": 12, "minute": 52, "second": 7}
